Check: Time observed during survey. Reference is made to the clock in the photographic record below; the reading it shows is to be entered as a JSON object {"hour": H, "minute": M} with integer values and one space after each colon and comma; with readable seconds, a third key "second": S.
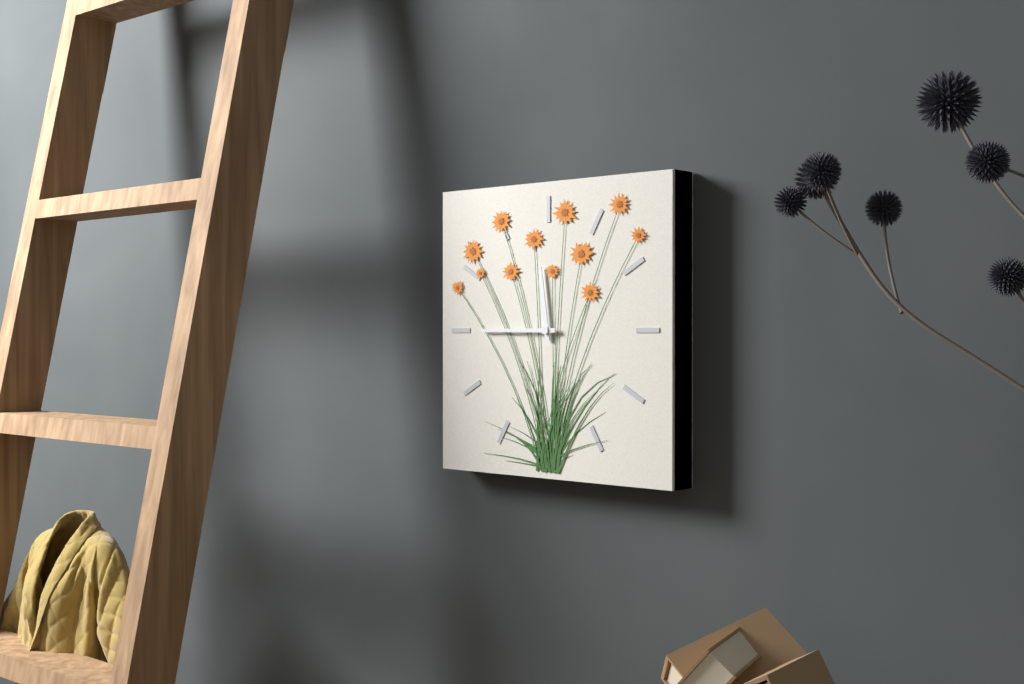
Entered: {"hour": 11, "minute": 45}
